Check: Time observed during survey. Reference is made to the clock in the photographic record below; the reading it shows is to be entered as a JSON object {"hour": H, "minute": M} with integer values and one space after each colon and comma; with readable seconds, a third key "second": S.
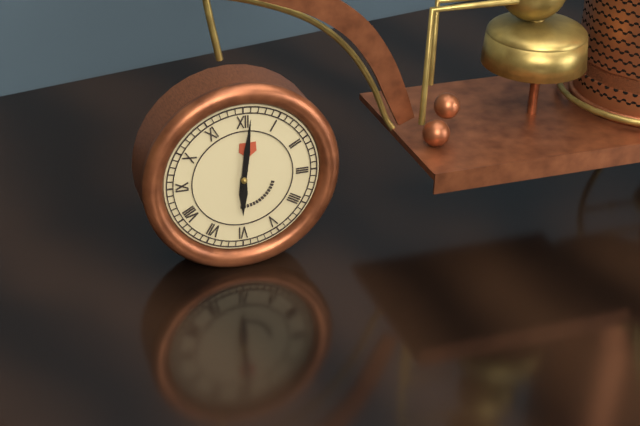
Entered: {"hour": 6, "minute": 1}
